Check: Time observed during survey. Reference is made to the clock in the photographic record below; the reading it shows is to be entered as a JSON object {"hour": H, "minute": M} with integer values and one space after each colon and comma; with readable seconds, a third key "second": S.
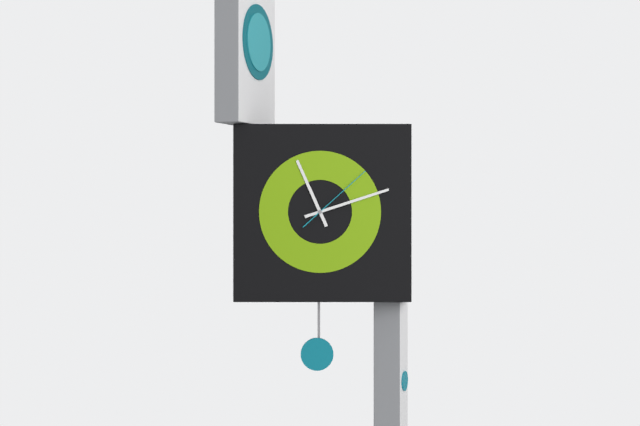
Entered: {"hour": 11, "minute": 12, "second": 8}
